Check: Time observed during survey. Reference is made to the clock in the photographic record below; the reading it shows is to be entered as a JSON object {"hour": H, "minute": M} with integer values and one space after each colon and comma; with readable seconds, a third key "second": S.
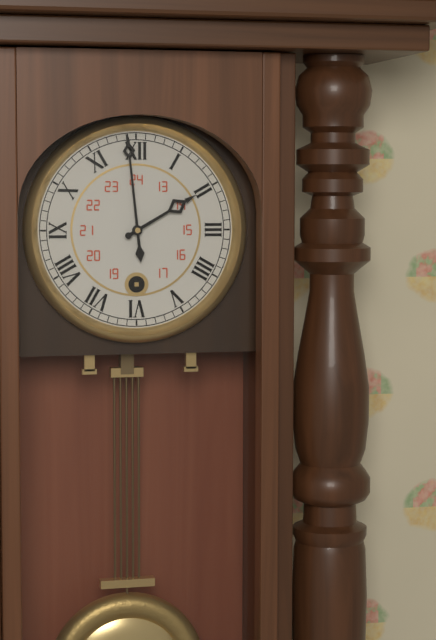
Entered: {"hour": 1, "minute": 59}
